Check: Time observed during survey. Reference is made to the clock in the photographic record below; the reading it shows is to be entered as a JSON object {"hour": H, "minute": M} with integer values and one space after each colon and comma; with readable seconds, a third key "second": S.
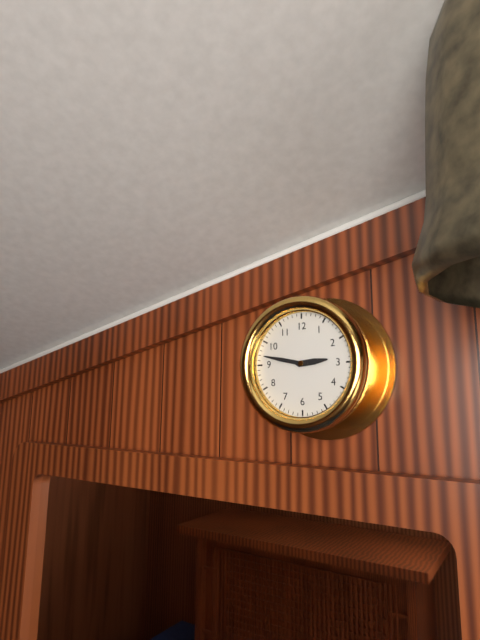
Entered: {"hour": 2, "minute": 47}
